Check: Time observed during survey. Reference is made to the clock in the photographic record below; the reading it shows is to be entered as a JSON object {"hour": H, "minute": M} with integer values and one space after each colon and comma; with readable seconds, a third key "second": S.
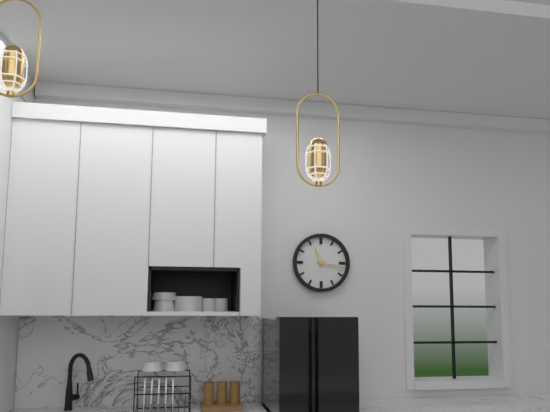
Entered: {"hour": 11, "minute": 17}
